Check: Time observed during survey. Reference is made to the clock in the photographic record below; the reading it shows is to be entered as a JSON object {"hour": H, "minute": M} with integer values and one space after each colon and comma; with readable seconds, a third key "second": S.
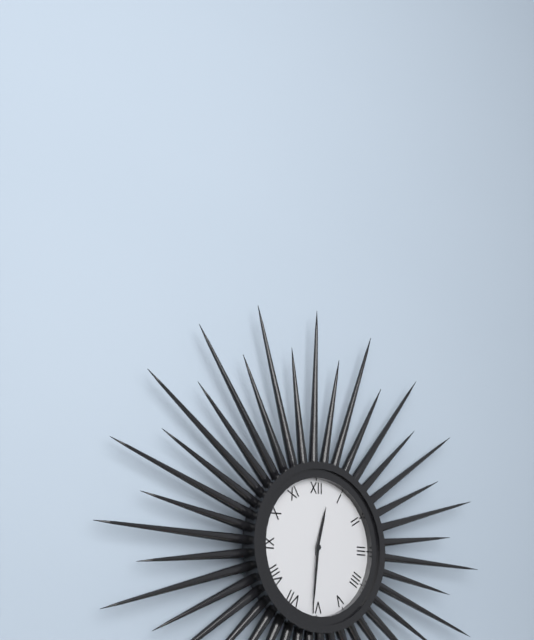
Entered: {"hour": 12, "minute": 31}
